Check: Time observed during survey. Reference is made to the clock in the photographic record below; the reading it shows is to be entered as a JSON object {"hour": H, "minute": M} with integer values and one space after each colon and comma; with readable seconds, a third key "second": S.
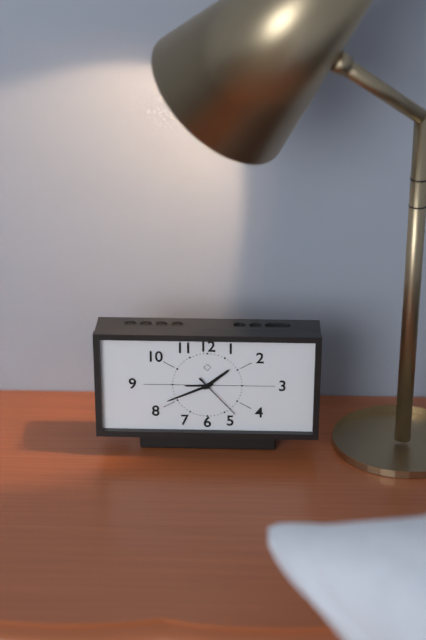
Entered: {"hour": 1, "minute": 41, "second": 23}
